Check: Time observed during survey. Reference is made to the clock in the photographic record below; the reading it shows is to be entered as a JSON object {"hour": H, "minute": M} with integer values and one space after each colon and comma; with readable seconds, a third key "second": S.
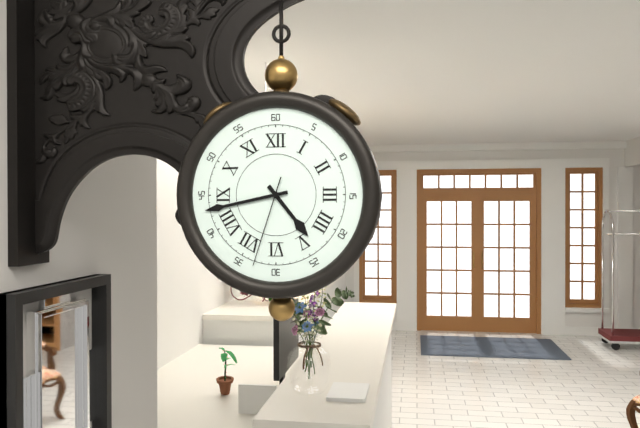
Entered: {"hour": 4, "minute": 43, "second": 33}
